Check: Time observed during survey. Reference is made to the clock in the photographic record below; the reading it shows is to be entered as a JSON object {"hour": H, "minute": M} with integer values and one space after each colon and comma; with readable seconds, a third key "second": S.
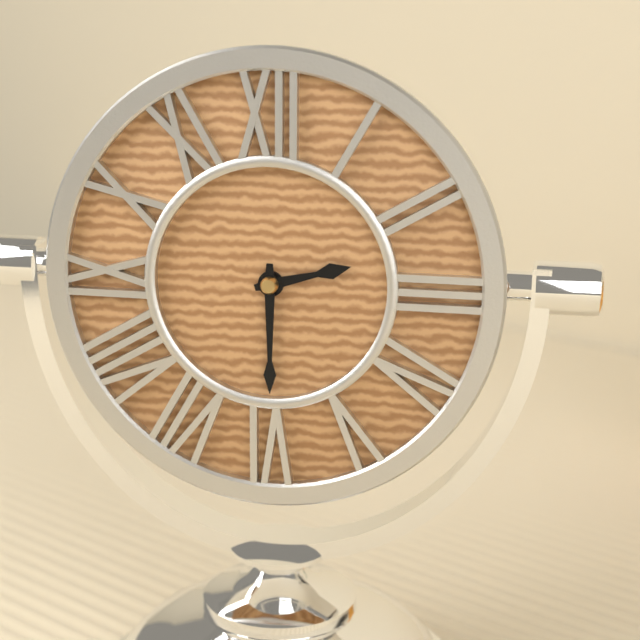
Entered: {"hour": 2, "minute": 30}
